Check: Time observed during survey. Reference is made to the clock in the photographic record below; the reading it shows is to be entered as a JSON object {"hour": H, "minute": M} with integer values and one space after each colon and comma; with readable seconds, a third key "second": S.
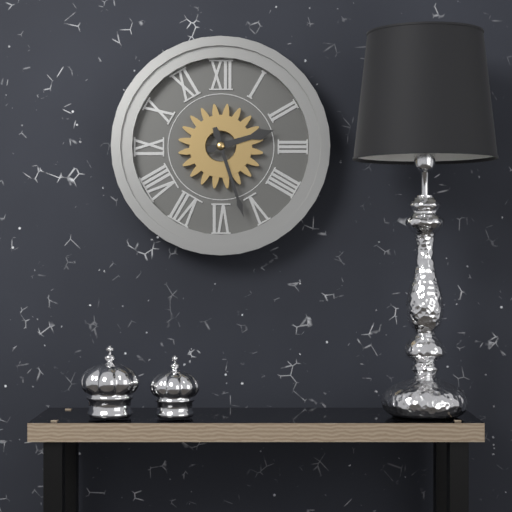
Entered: {"hour": 2, "minute": 27}
